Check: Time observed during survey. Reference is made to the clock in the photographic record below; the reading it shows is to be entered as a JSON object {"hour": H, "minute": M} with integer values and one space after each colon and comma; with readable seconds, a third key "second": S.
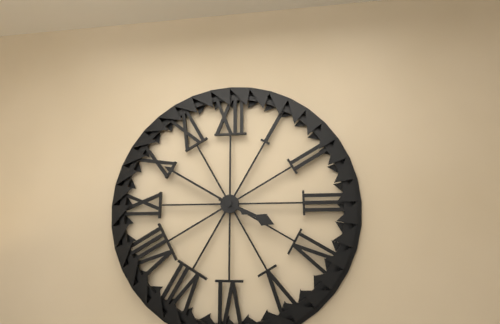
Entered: {"hour": 3, "minute": 50}
